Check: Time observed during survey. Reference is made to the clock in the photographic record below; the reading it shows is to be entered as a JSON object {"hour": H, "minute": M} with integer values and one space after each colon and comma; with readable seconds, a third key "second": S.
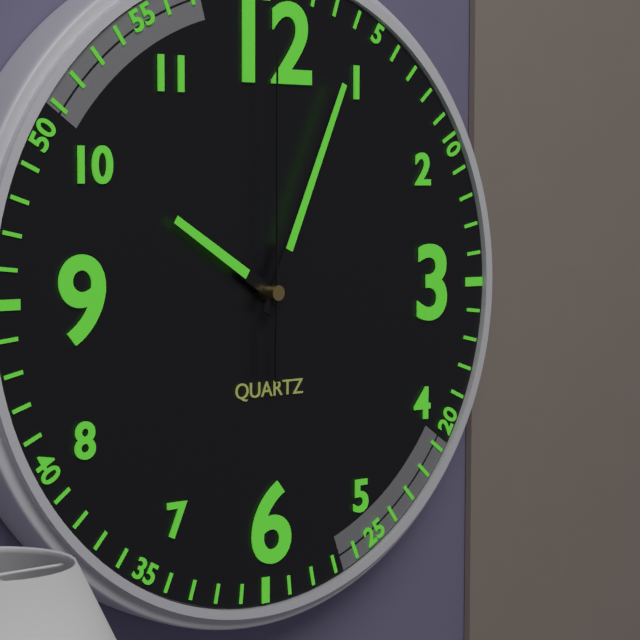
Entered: {"hour": 10, "minute": 4, "second": 0}
